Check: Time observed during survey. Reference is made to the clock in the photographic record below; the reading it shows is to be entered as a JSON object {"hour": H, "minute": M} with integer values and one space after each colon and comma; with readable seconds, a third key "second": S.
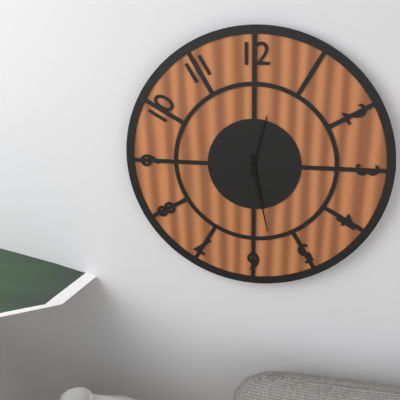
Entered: {"hour": 12, "minute": 28}
